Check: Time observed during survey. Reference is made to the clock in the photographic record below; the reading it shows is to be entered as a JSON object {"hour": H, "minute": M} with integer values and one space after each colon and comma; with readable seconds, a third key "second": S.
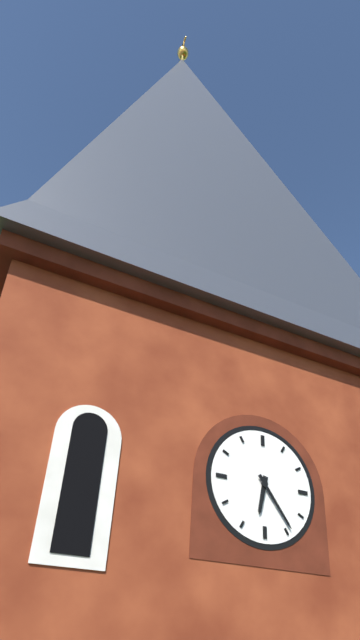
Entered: {"hour": 6, "minute": 24}
